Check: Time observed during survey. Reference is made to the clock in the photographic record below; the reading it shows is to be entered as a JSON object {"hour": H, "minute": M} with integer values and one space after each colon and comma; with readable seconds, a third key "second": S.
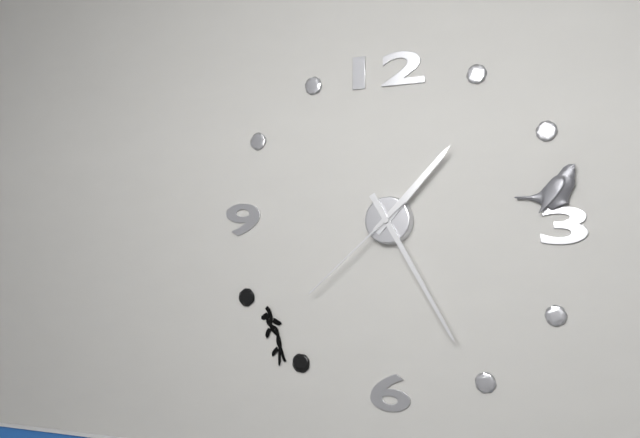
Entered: {"hour": 1, "minute": 25, "second": 38}
